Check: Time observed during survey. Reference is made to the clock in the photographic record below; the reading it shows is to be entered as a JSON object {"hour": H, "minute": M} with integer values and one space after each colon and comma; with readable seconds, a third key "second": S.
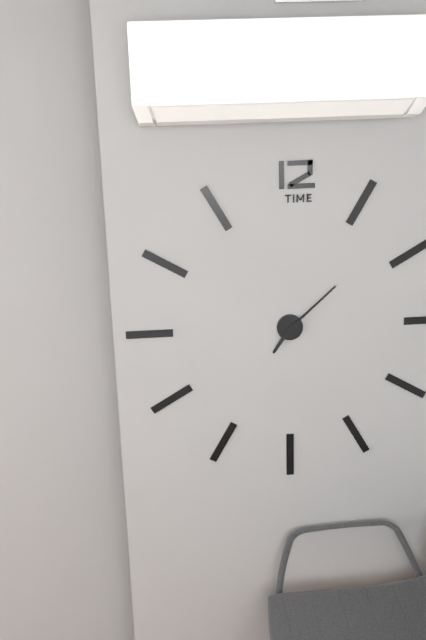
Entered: {"hour": 7, "minute": 8}
